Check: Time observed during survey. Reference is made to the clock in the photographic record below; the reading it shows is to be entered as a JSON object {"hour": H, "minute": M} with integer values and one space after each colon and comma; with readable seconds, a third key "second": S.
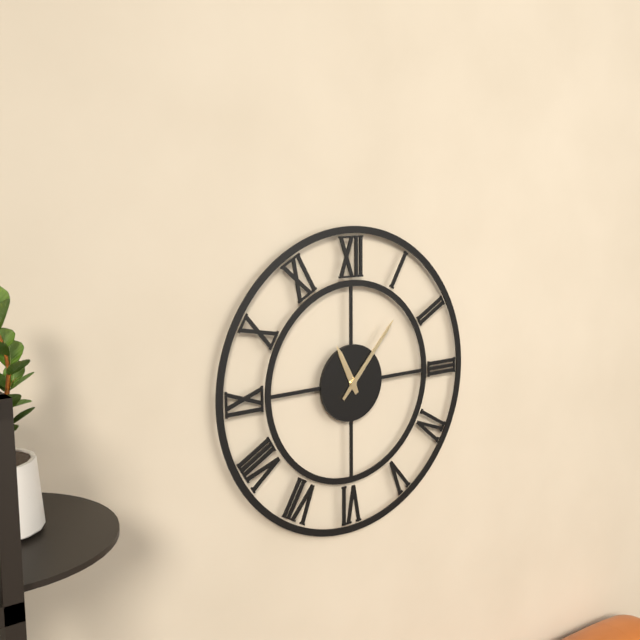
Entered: {"hour": 11, "minute": 7}
